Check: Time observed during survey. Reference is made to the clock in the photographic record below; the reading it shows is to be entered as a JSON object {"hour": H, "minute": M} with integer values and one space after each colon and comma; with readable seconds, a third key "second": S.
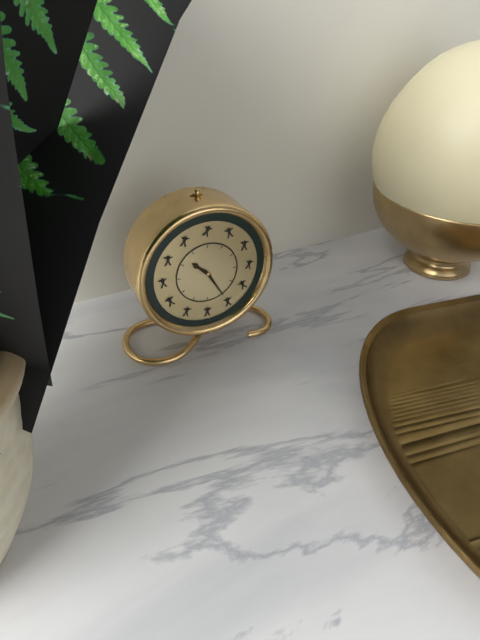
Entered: {"hour": 10, "minute": 25}
